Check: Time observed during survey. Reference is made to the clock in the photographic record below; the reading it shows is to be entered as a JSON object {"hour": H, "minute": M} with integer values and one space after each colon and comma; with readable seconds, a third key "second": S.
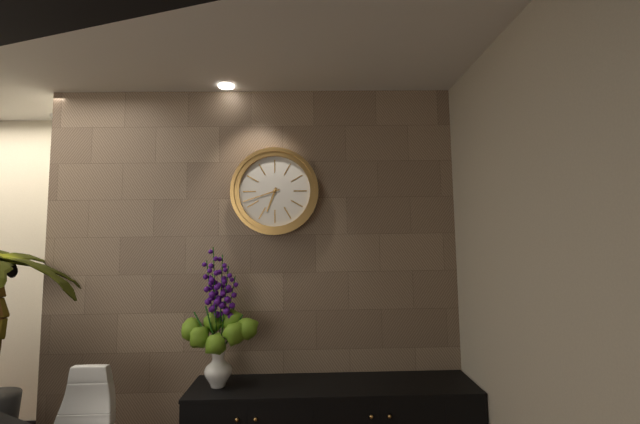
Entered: {"hour": 6, "minute": 42}
